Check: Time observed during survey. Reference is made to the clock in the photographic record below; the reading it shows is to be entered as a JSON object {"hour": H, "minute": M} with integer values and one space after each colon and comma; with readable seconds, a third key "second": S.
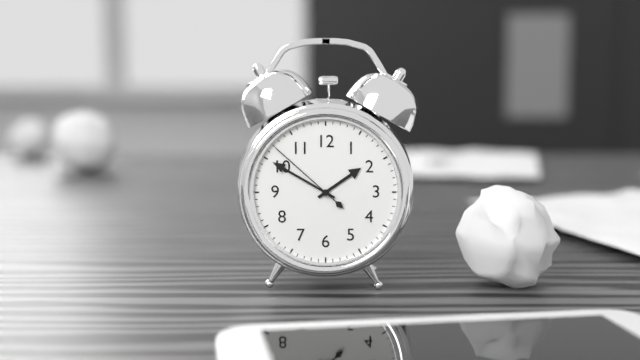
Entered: {"hour": 1, "minute": 50, "second": 52}
